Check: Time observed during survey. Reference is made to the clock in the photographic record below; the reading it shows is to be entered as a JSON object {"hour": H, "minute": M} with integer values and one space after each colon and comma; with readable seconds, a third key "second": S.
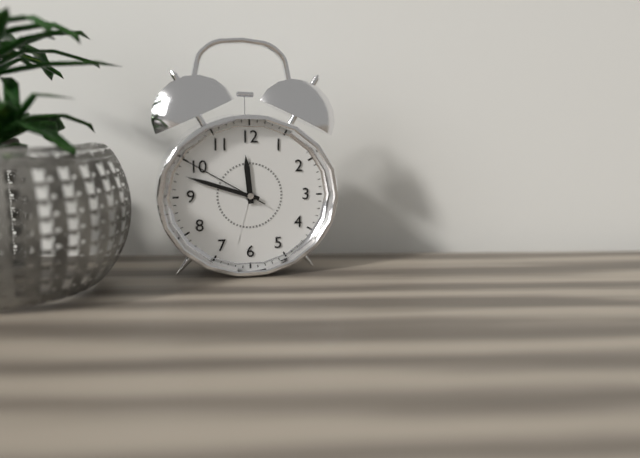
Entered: {"hour": 11, "minute": 48, "second": 50}
